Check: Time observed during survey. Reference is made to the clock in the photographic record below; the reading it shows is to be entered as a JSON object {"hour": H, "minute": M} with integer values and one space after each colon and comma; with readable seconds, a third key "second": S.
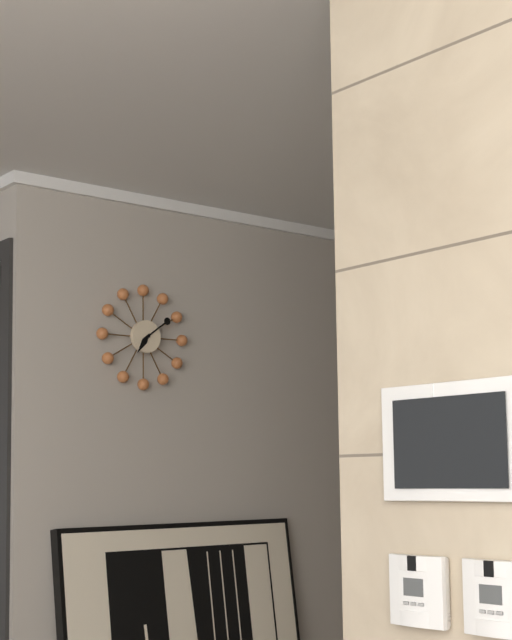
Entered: {"hour": 7, "minute": 9}
